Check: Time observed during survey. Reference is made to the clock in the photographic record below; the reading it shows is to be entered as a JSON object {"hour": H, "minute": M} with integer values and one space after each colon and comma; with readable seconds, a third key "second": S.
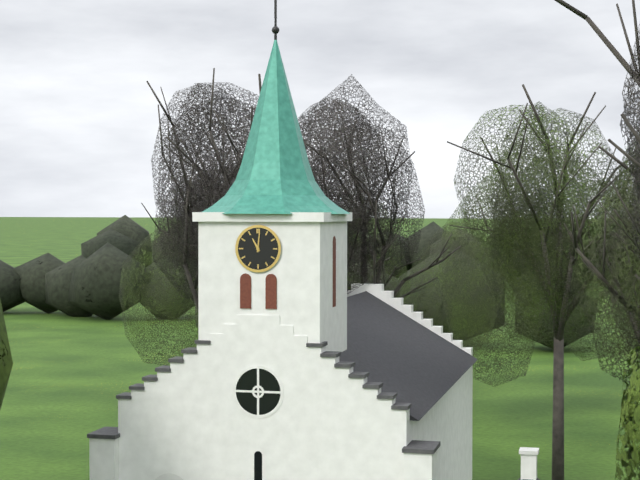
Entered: {"hour": 11, "minute": 1}
